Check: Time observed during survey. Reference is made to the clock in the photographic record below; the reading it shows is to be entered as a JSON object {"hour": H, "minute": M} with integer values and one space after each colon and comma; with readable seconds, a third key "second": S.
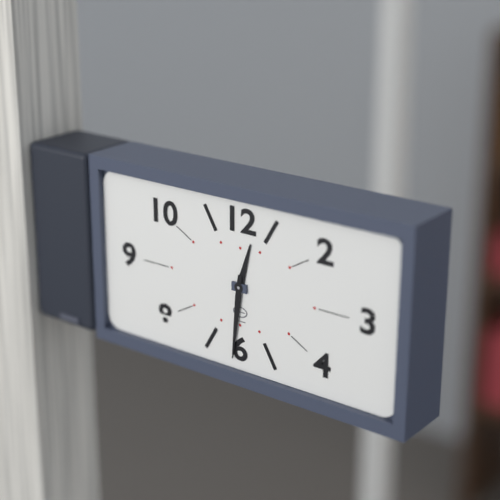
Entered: {"hour": 12, "minute": 31}
